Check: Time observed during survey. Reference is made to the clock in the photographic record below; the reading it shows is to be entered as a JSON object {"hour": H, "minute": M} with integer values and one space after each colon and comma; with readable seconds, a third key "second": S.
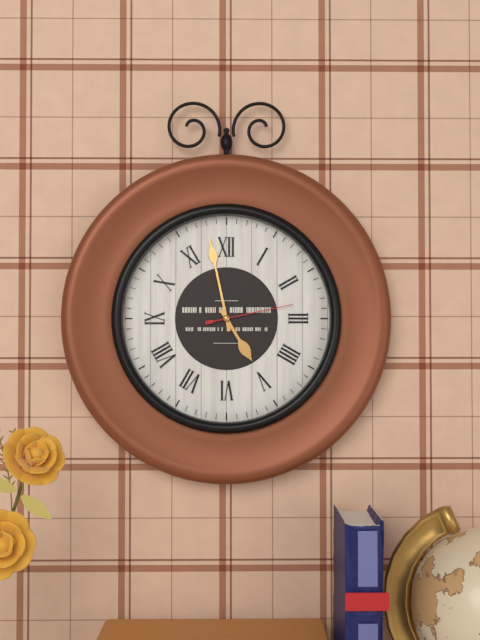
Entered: {"hour": 4, "minute": 58, "second": 13}
